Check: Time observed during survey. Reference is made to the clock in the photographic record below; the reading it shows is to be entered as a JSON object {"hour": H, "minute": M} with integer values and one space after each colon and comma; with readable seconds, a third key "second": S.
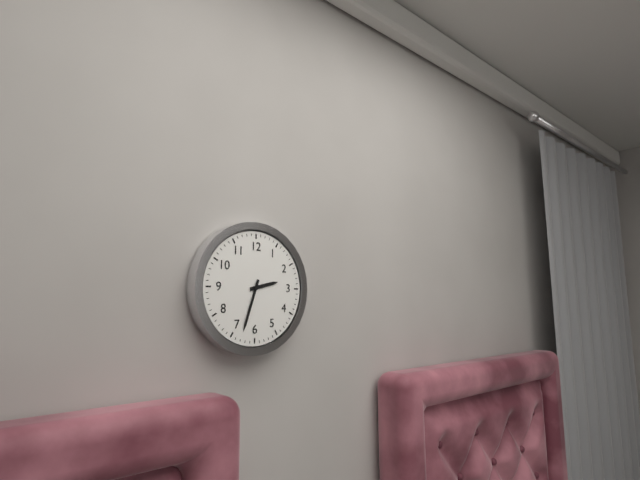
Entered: {"hour": 2, "minute": 33}
